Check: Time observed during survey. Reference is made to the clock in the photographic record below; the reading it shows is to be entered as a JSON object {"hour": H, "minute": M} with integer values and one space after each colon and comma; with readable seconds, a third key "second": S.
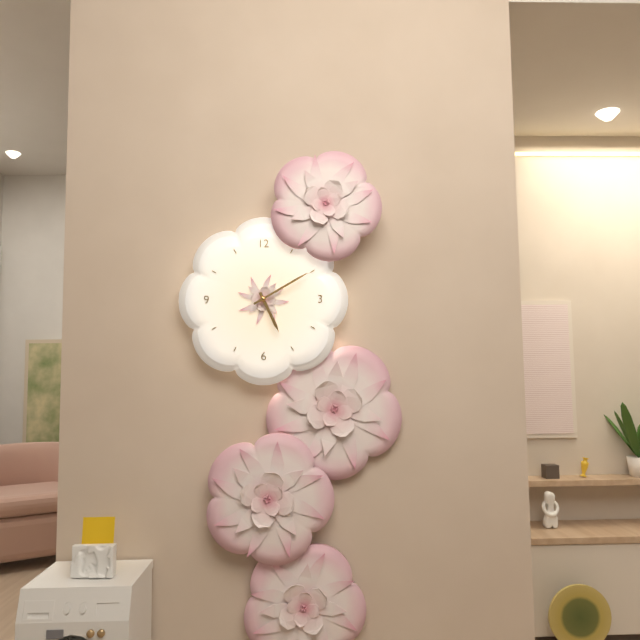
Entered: {"hour": 5, "minute": 10}
